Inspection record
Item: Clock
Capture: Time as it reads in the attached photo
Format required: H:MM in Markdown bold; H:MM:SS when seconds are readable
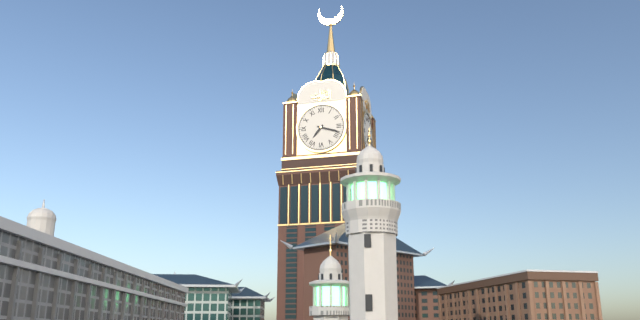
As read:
**7:18**
